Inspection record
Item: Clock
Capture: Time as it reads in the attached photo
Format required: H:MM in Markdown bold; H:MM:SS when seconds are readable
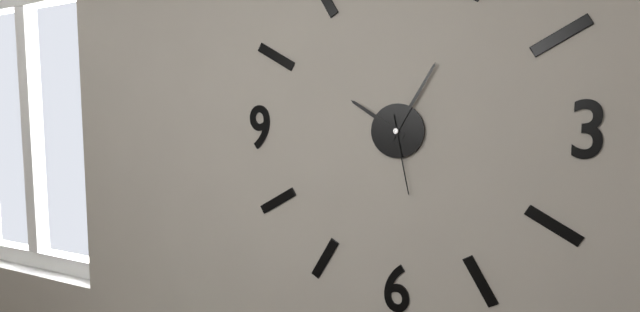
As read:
**10:05:28**
